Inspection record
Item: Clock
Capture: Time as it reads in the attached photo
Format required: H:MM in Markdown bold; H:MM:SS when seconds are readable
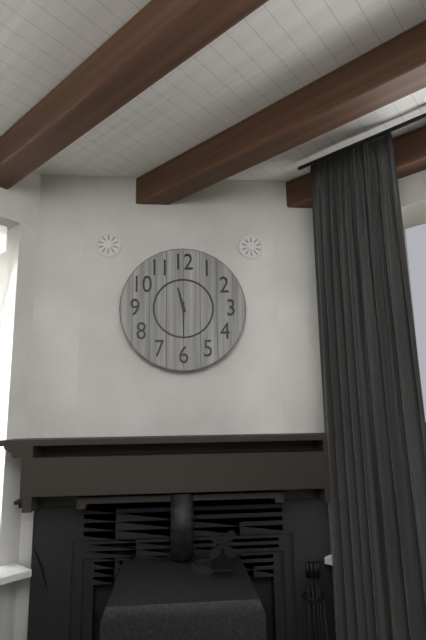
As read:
**11:30**
